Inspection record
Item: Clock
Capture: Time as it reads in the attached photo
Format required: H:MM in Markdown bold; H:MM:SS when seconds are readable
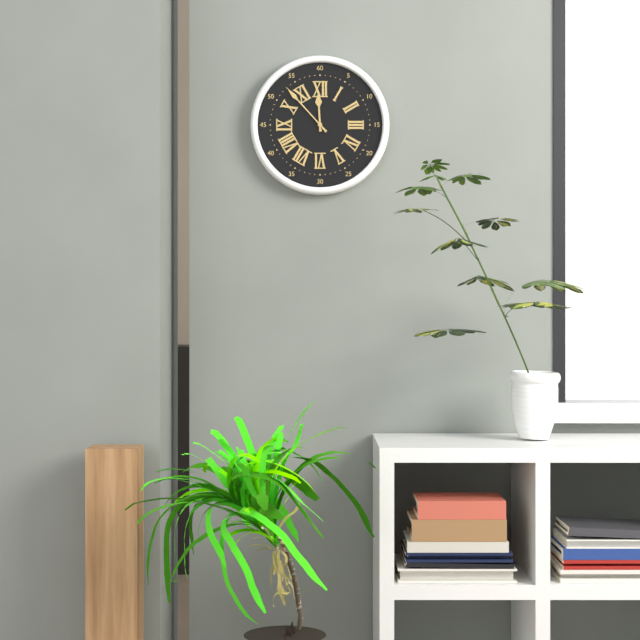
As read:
**11:53**
